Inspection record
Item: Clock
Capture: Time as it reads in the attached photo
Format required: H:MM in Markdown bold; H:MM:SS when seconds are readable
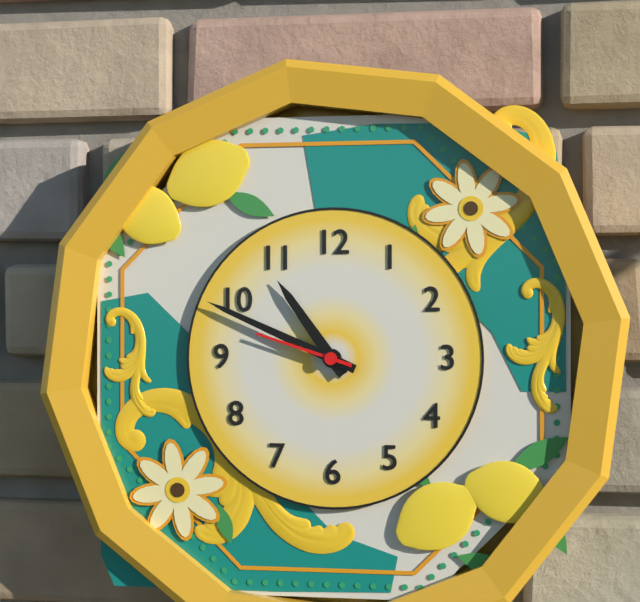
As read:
**10:49:48**
